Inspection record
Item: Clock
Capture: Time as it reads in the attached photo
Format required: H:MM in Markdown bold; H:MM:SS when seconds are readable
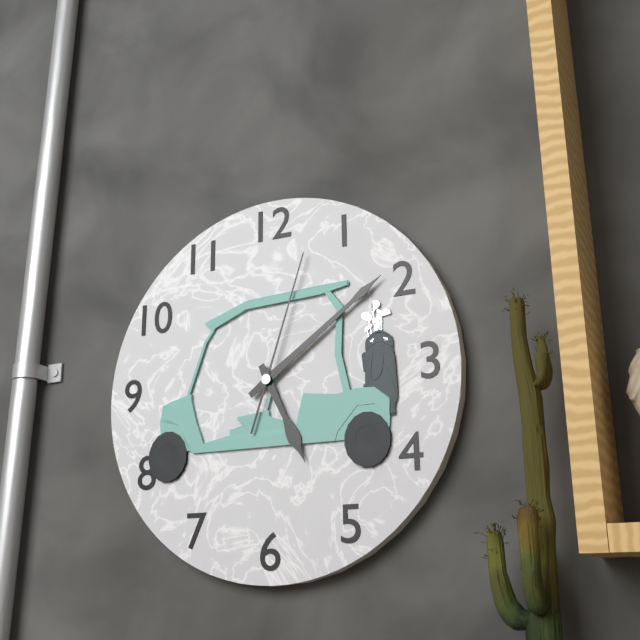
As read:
**5:09:03**
